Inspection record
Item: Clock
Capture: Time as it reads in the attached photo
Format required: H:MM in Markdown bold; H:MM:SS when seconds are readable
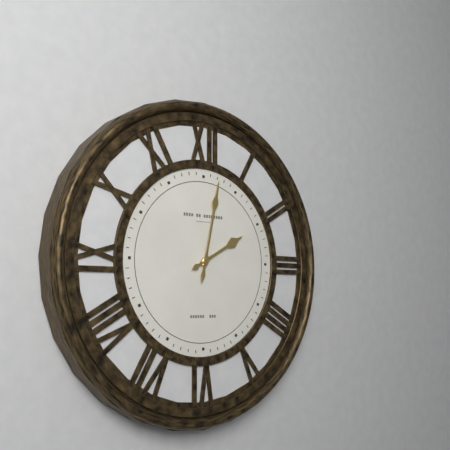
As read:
**2:02**
